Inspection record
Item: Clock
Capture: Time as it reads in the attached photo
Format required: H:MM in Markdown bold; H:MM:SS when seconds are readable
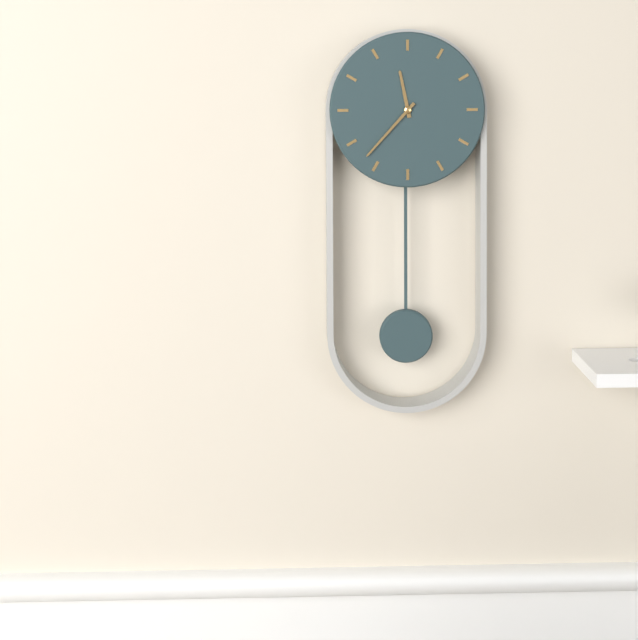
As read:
**11:37**
